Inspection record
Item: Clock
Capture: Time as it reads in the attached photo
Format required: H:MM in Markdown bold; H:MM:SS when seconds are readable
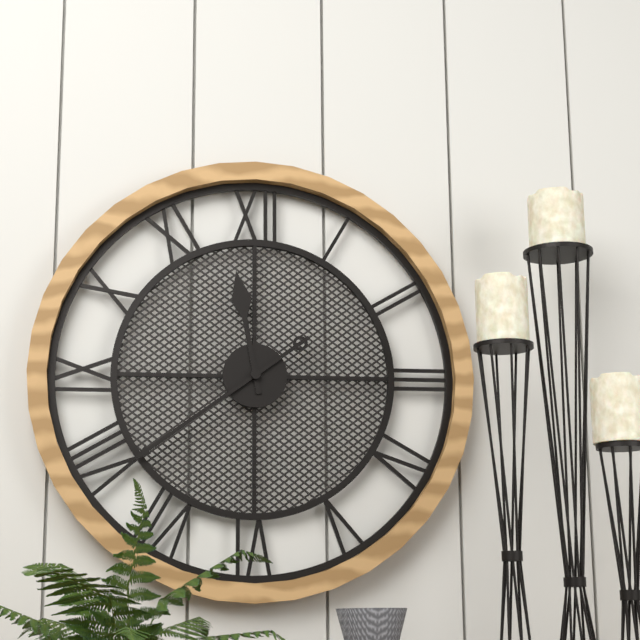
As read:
**11:39**
